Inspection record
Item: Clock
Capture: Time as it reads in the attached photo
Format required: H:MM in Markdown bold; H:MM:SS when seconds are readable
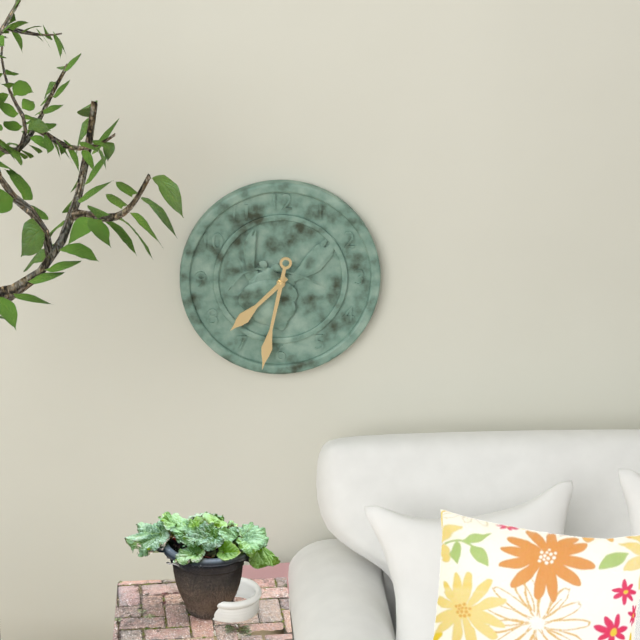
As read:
**7:32**
